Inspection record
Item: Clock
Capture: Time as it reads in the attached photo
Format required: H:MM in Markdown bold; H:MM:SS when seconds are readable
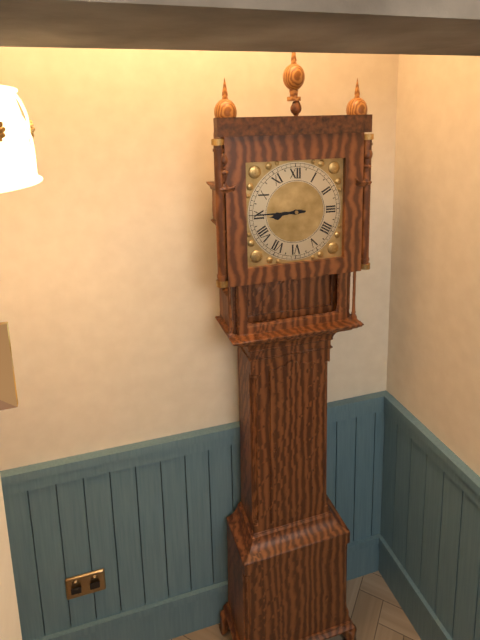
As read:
**8:45**
